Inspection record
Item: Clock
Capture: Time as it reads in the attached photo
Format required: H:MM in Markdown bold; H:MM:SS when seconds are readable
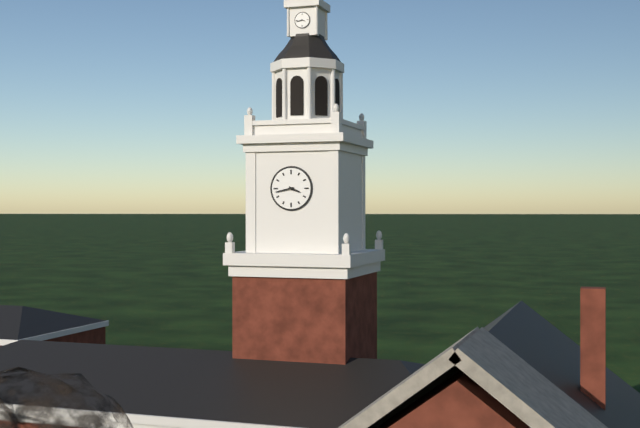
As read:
**3:43**
